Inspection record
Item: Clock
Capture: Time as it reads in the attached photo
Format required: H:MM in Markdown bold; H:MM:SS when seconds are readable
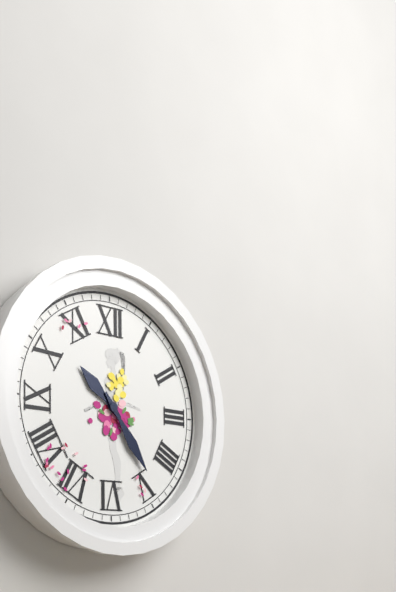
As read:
**10:24**
